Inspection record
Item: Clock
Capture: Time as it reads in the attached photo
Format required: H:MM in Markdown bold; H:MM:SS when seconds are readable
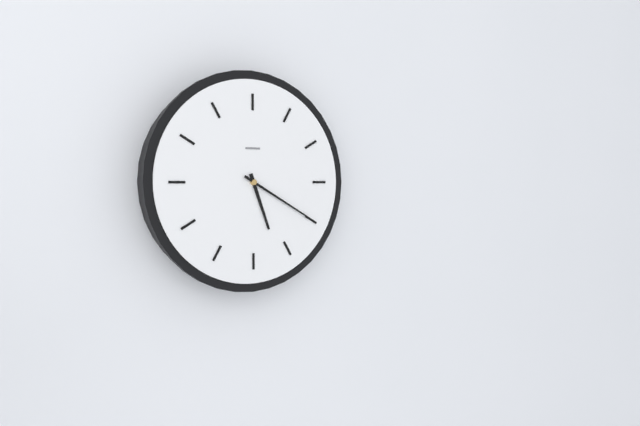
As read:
**5:20**
